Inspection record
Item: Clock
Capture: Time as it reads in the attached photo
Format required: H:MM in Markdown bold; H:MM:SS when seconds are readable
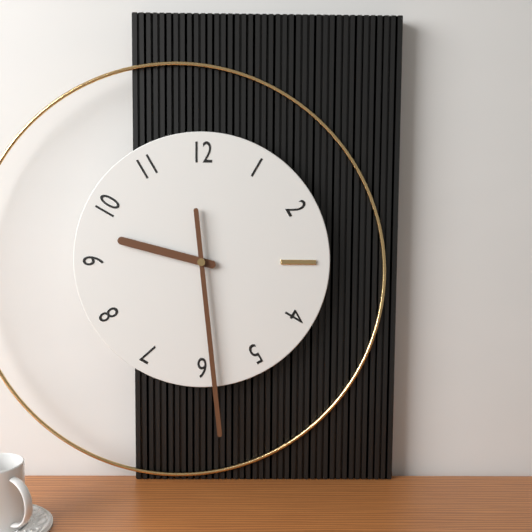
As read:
**9:29**
